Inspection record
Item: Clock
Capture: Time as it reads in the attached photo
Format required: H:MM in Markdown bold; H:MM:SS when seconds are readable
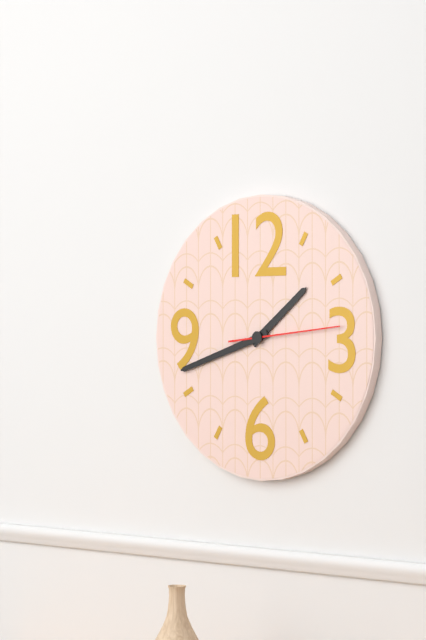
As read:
**1:42:14**
